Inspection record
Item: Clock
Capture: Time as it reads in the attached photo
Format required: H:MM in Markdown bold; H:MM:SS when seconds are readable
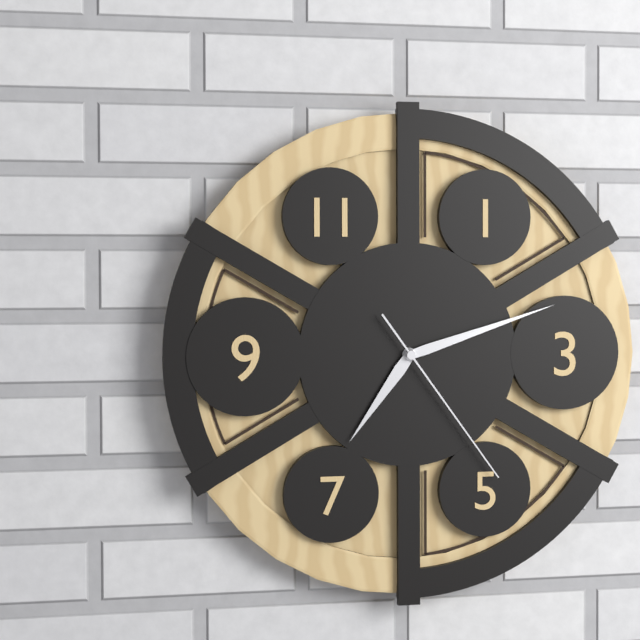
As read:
**7:12:24**
